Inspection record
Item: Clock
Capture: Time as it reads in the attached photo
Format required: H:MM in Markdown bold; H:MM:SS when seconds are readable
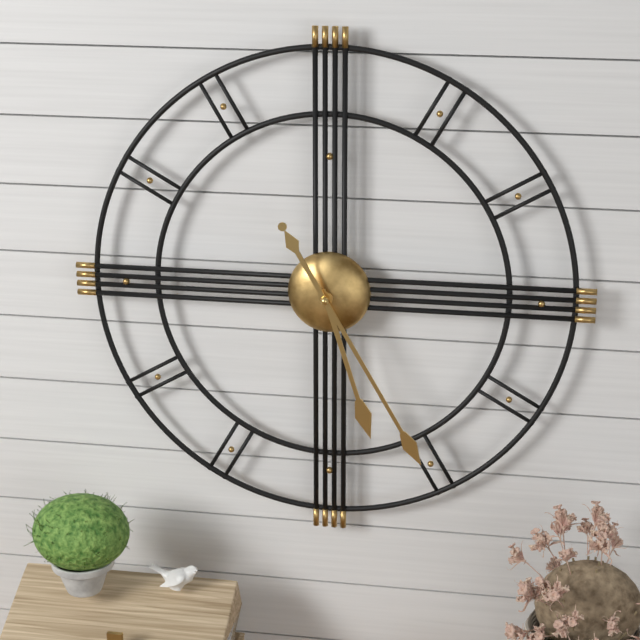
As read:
**5:25**
